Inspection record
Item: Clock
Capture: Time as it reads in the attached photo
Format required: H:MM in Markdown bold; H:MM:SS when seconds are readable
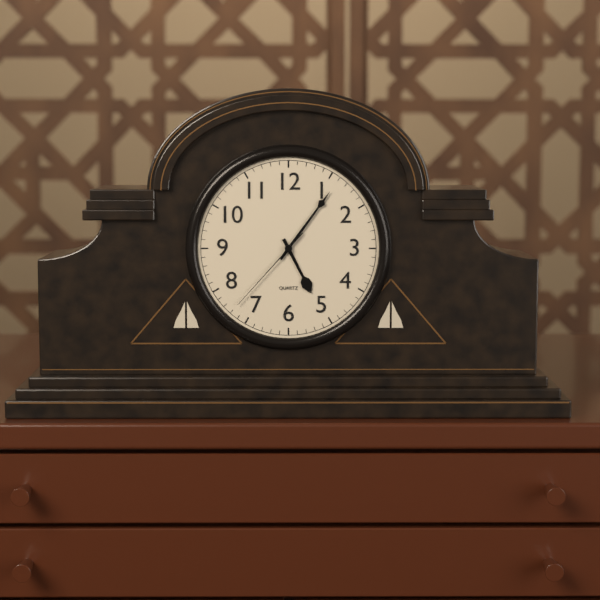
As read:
**5:06:37**
